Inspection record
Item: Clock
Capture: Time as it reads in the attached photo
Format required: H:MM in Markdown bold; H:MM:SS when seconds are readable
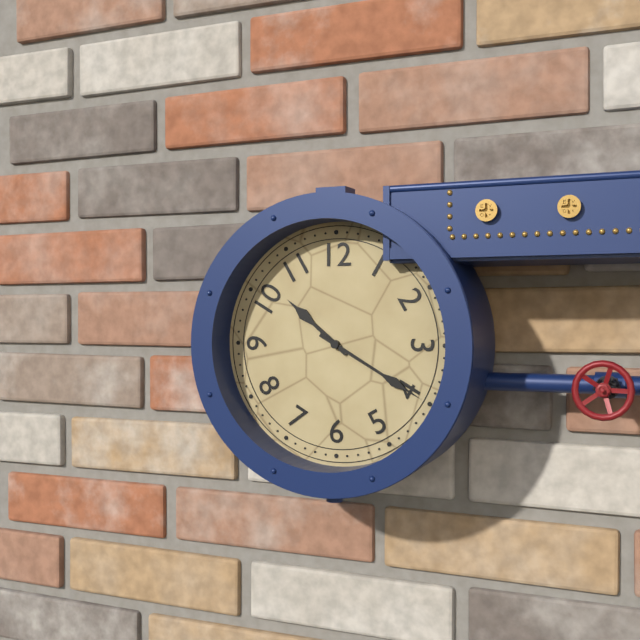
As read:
**10:20**
